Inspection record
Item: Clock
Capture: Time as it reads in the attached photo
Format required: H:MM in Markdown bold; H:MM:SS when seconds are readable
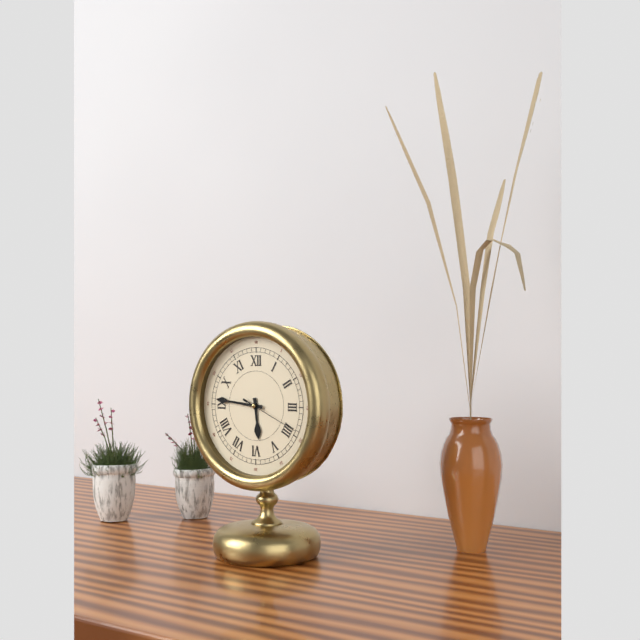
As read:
**5:46:19**
